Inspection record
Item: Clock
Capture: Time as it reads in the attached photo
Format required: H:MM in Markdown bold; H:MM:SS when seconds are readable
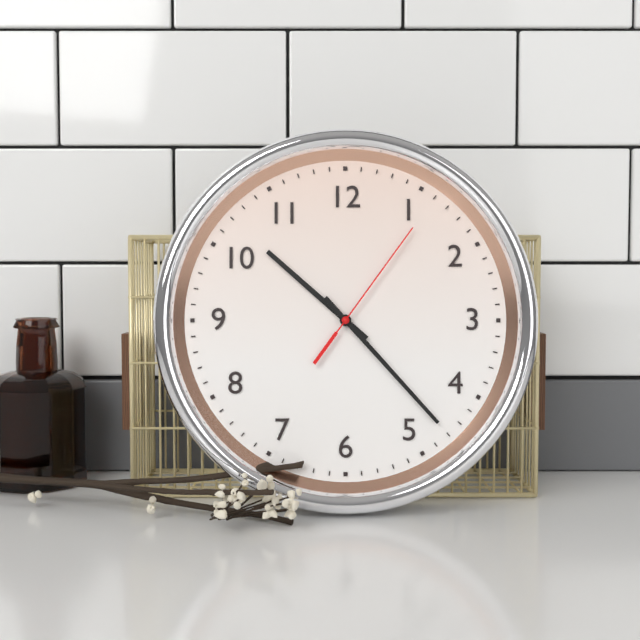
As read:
**10:23:06**
